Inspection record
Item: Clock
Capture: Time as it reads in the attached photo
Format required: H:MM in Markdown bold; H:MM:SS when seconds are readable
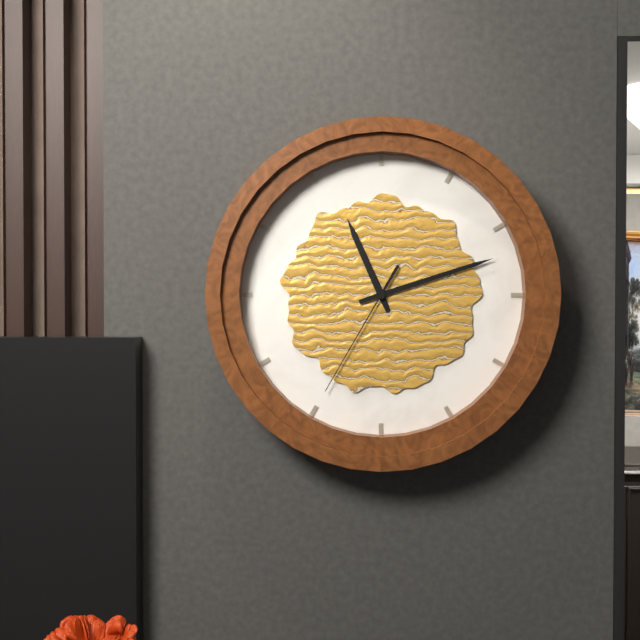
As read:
**11:12:35**
